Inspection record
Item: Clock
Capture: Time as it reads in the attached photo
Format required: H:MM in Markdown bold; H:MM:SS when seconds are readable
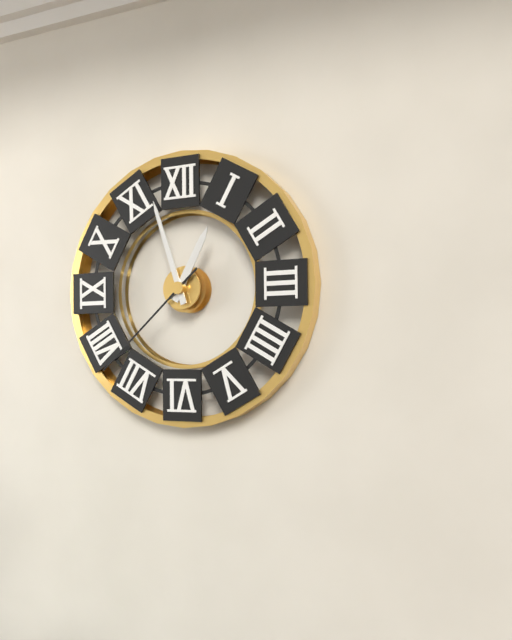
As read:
**12:57:38**
